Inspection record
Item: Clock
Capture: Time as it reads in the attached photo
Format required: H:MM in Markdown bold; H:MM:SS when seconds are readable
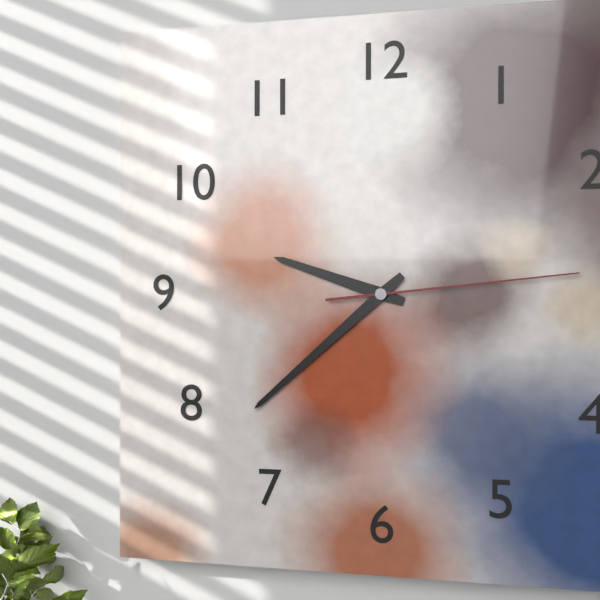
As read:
**9:38:14**
